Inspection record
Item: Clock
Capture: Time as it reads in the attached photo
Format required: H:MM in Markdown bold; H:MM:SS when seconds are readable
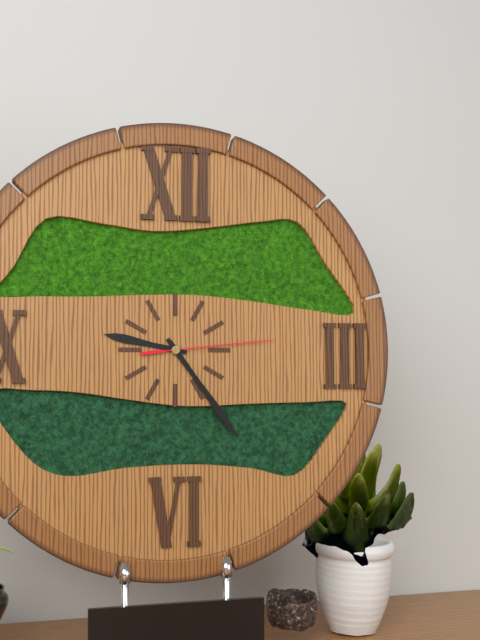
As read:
**9:24:14**
